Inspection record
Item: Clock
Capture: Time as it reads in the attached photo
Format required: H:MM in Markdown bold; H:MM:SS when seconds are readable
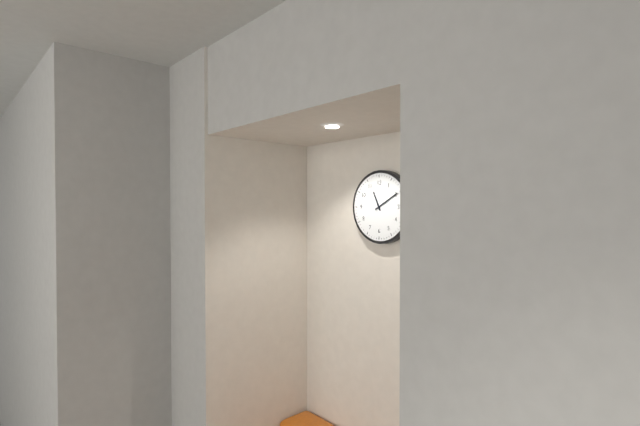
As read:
**11:10**
